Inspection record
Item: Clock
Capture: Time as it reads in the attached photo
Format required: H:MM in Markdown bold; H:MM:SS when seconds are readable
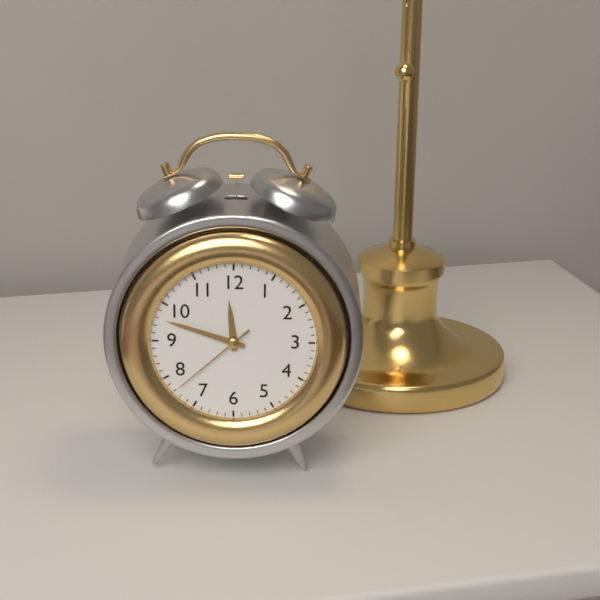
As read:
**11:48:38**
